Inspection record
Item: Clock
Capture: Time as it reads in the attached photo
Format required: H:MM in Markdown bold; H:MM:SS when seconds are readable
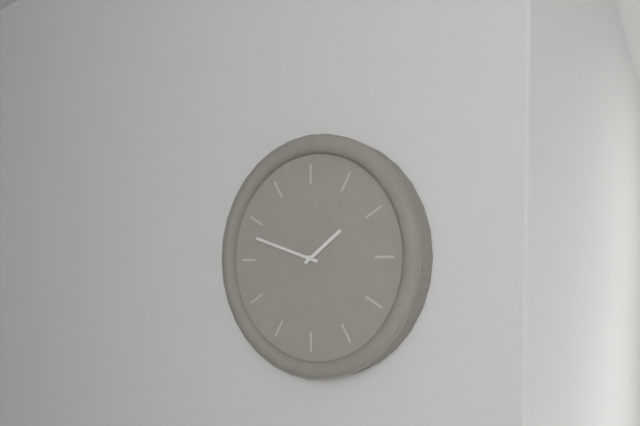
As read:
**1:48**
